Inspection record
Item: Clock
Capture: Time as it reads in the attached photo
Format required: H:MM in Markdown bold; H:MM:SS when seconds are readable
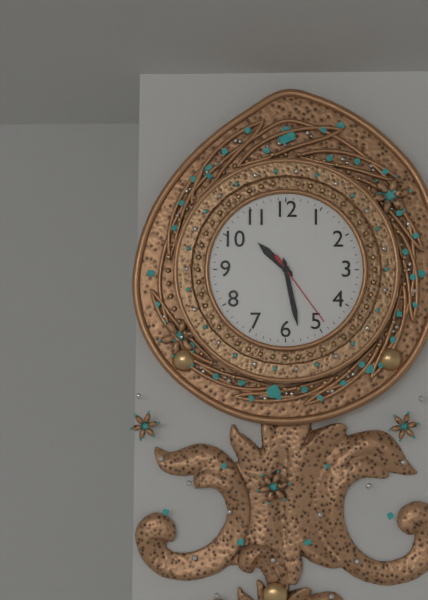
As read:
**10:28:24**
